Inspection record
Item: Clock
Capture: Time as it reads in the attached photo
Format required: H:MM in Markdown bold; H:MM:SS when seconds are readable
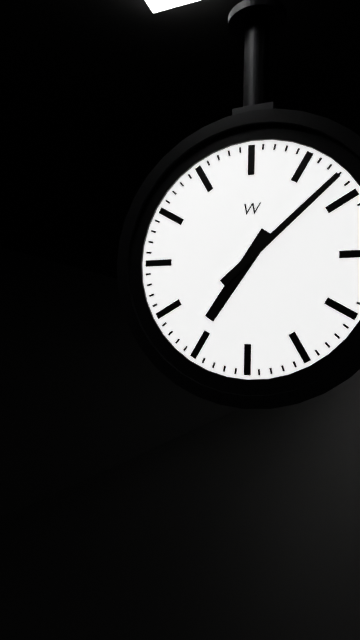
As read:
**7:08**
